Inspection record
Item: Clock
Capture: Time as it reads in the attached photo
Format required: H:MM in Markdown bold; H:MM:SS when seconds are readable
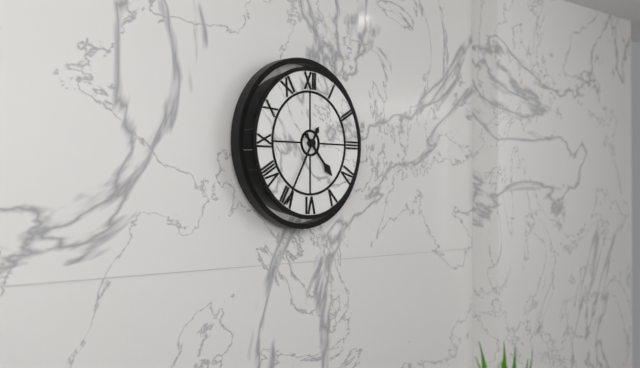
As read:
**4:35**
